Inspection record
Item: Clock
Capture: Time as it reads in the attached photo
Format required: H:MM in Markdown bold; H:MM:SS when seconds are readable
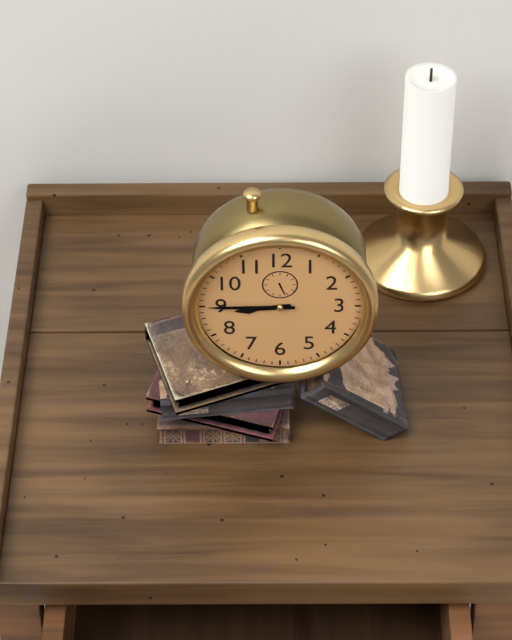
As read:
**8:45**
